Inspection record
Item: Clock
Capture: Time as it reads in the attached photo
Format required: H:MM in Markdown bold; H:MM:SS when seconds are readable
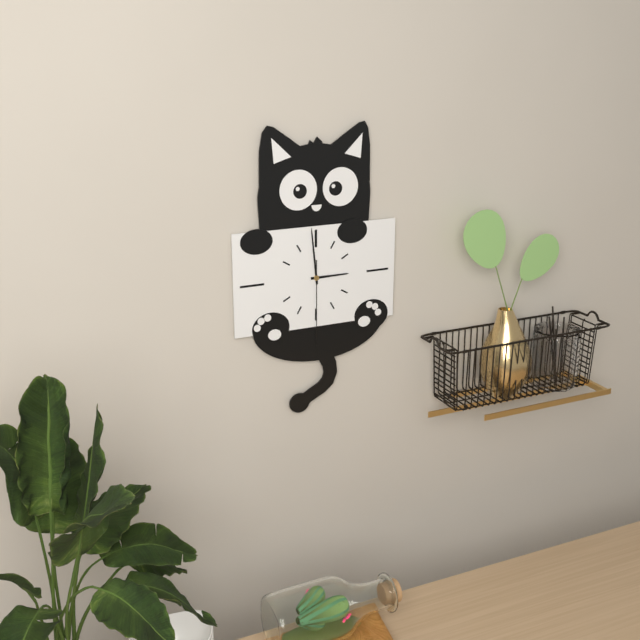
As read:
**2:59:30**
